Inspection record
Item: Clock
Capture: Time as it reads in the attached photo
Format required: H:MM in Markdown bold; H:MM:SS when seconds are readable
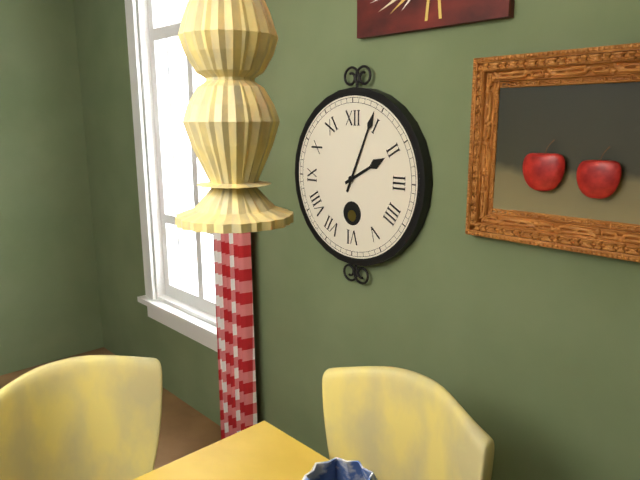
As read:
**2:04**
